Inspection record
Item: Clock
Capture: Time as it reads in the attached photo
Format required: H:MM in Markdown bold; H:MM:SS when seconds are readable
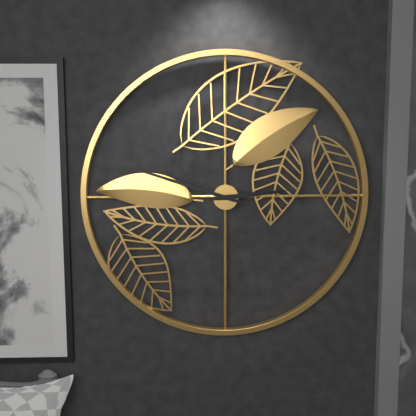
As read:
**2:48**
